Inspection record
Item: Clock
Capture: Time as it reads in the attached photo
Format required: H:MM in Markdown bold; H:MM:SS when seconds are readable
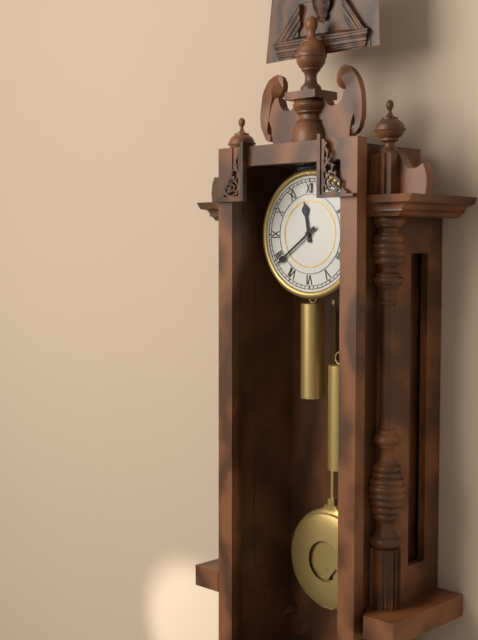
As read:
**11:39**
